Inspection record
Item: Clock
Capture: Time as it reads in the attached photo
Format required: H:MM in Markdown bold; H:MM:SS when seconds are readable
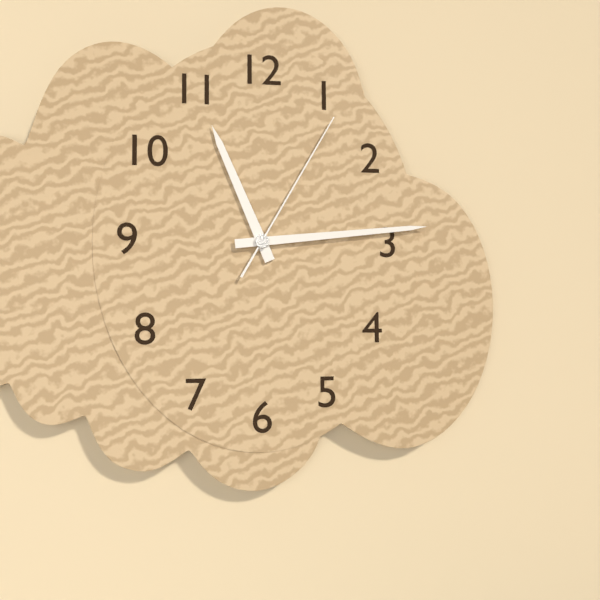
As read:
**11:14:05**
